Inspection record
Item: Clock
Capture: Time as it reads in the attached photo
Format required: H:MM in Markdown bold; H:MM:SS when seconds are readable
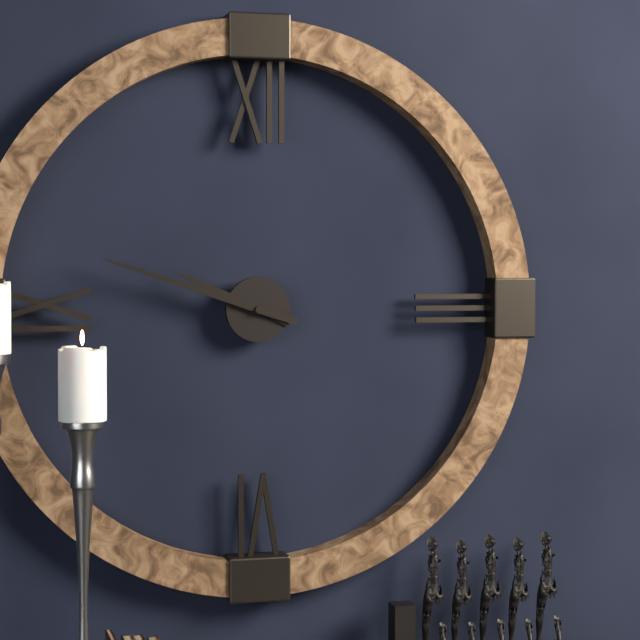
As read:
**9:48**
